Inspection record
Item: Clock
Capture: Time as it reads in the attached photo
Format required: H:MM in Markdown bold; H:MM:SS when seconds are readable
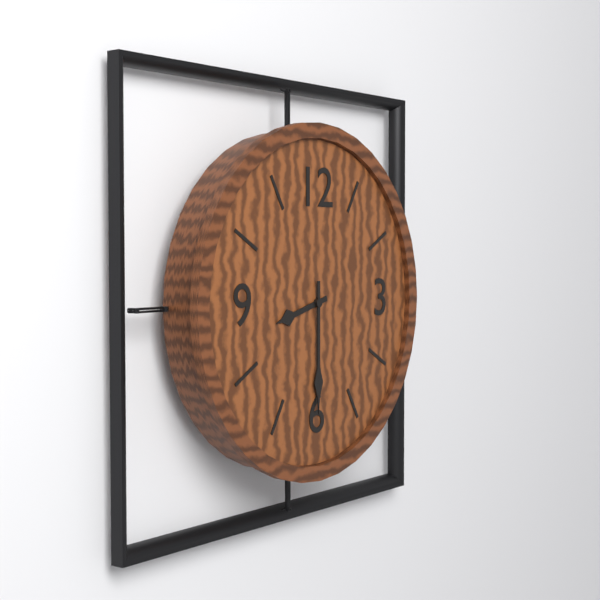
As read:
**8:30**
